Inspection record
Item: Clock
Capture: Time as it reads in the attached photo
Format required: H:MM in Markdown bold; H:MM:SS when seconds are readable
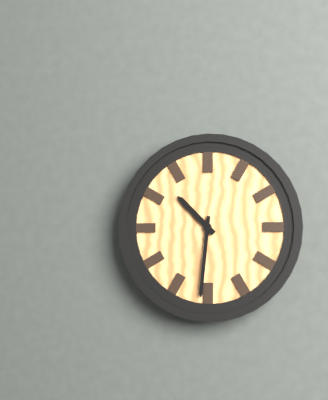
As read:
**10:31**
